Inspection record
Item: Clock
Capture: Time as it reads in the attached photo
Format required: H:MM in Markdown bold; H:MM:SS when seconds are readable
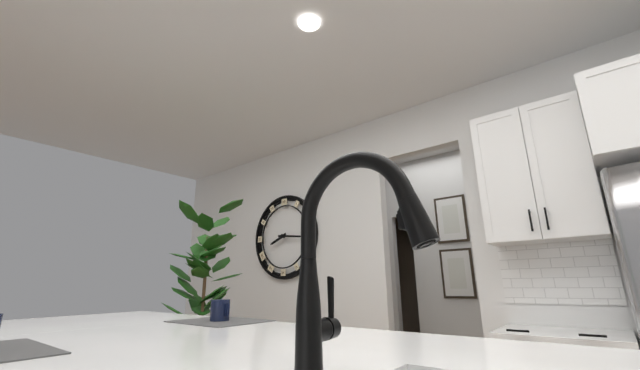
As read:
**8:16**
